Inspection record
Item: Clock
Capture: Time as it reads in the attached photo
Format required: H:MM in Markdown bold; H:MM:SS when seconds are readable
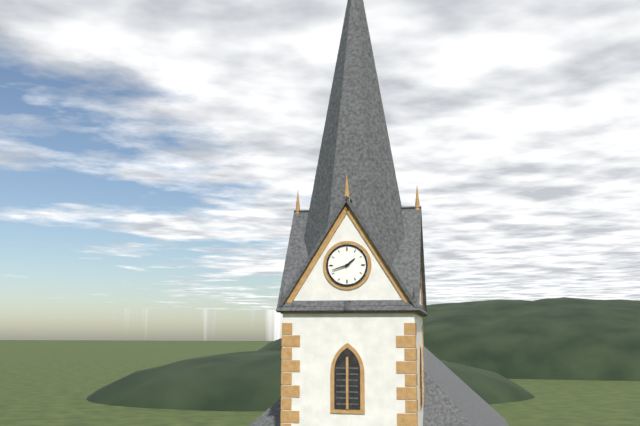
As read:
**1:42**
